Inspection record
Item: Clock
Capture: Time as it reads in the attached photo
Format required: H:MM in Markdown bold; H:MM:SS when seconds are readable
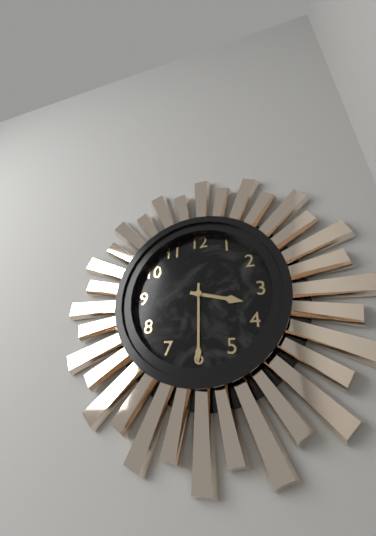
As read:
**3:30**
